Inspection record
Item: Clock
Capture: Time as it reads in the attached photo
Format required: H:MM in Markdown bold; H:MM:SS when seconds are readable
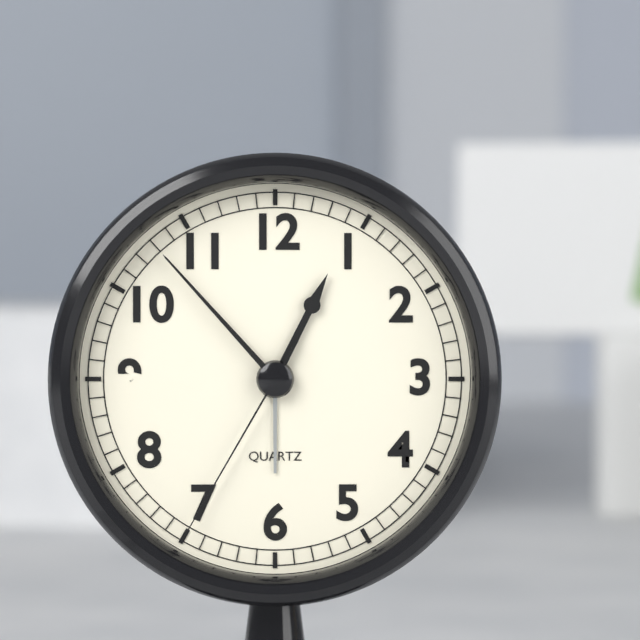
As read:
**12:53:35**
